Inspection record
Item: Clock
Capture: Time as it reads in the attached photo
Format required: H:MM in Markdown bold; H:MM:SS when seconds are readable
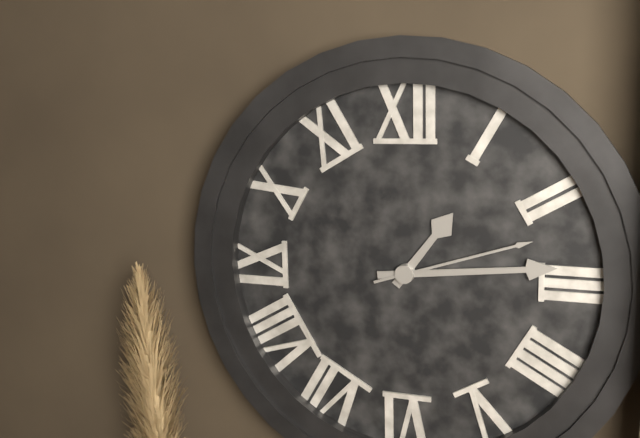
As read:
**1:14:12**
